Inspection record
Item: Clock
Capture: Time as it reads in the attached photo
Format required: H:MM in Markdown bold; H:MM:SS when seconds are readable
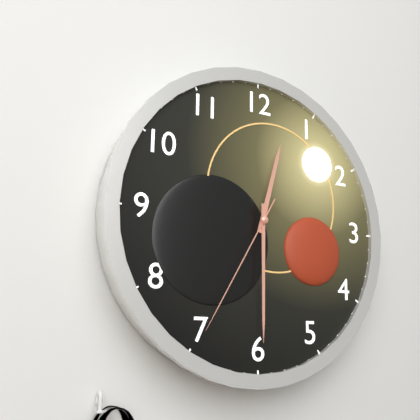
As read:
**12:30:35**
